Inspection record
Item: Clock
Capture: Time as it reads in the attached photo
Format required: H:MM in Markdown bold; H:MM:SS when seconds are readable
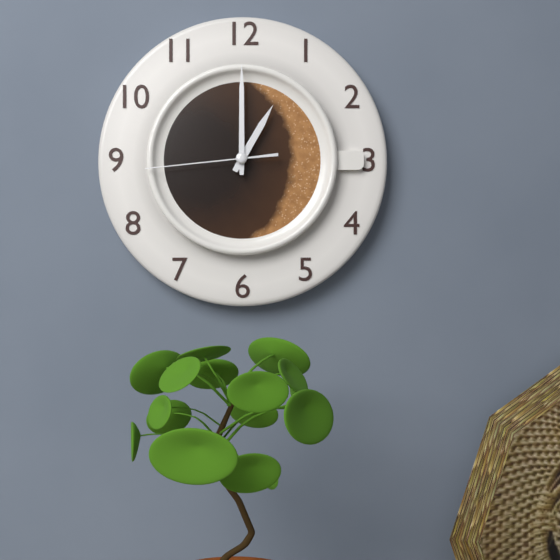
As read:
**1:00:44**
